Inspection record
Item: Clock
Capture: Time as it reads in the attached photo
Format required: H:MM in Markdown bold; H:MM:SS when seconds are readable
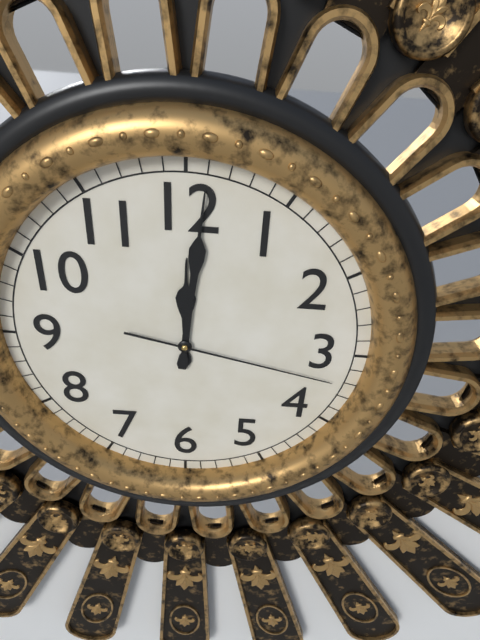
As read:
**12:01:17**
